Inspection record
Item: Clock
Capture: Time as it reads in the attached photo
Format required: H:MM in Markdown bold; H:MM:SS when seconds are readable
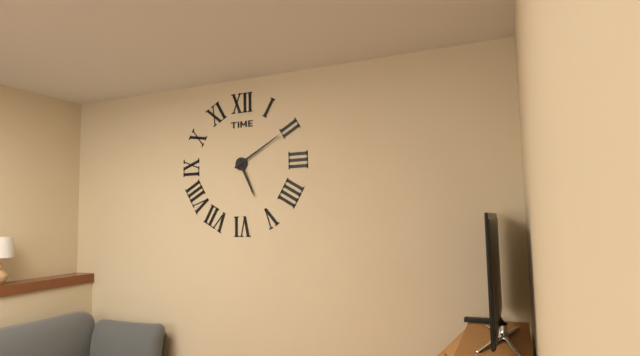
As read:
**5:10**
